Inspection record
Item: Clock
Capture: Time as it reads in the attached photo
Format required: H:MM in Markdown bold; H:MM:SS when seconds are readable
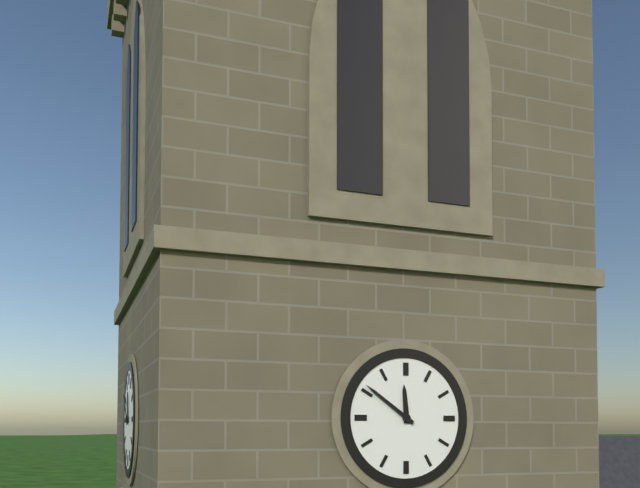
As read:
**11:51**
